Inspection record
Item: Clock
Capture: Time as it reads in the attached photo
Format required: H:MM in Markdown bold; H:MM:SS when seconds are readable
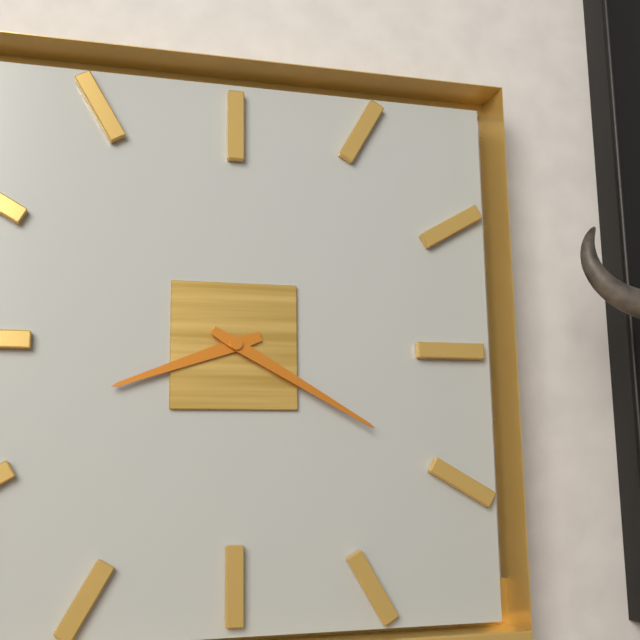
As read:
**8:20**
